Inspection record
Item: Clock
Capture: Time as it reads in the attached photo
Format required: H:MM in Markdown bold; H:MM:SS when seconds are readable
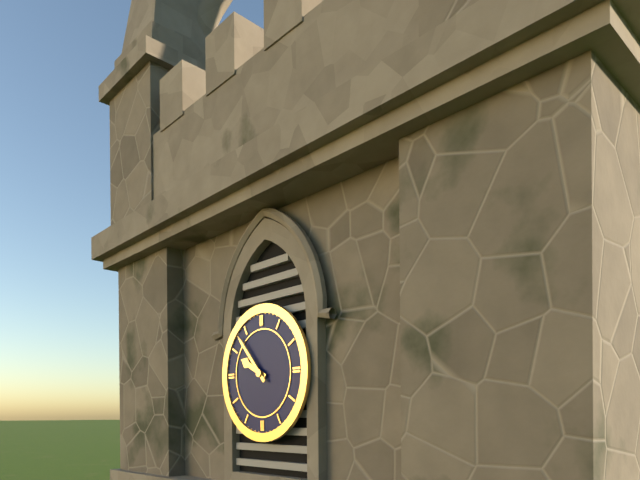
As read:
**9:53**
